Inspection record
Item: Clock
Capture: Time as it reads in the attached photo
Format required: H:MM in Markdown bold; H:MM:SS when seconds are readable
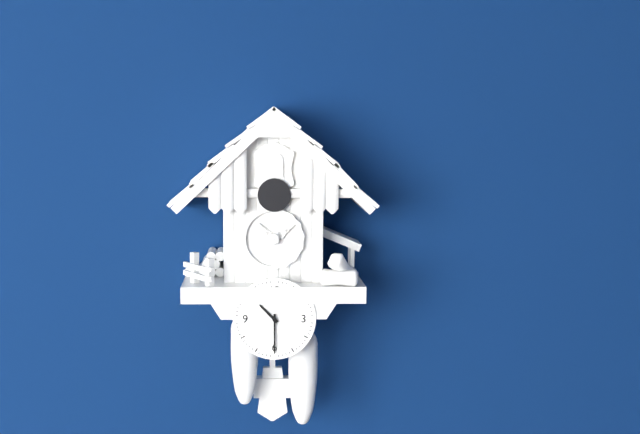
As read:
**10:30**
